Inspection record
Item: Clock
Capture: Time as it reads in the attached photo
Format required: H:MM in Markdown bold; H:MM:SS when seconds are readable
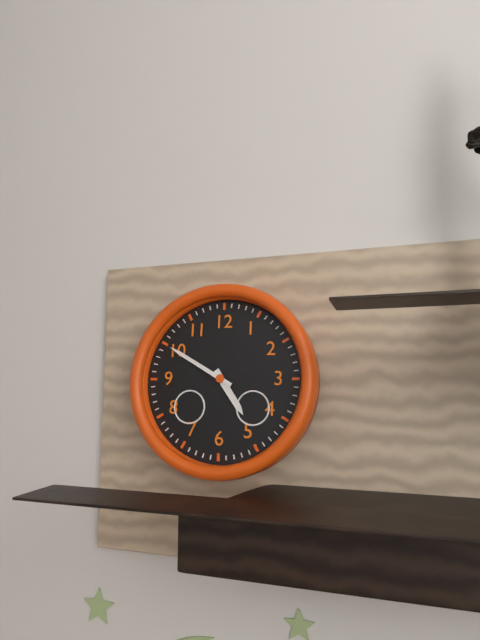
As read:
**4:50**
